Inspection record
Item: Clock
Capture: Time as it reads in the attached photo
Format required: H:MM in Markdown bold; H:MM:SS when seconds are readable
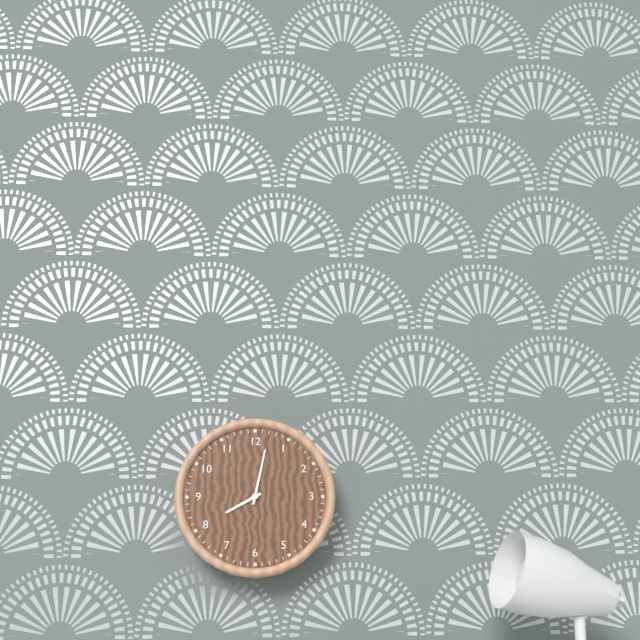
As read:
**8:02**
